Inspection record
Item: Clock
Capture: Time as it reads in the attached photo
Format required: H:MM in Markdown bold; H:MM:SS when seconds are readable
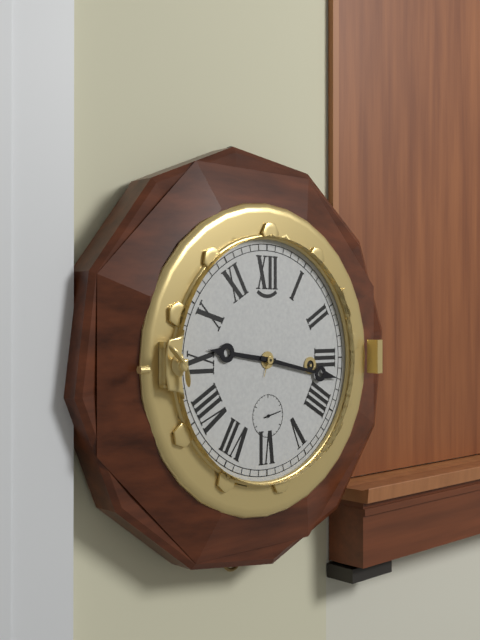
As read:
**9:17:13**
